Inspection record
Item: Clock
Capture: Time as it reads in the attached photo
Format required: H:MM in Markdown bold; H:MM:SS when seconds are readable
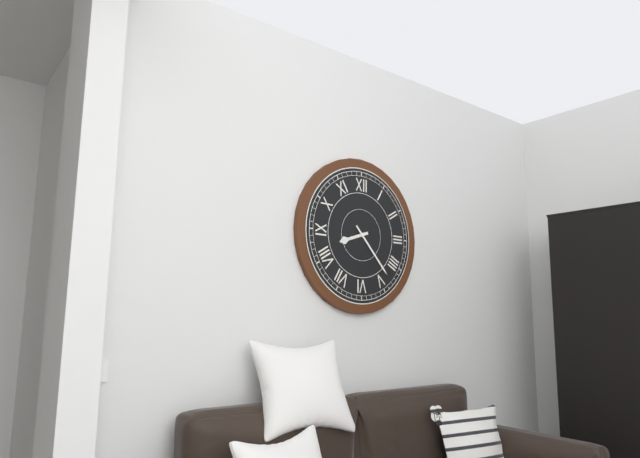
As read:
**8:23**
